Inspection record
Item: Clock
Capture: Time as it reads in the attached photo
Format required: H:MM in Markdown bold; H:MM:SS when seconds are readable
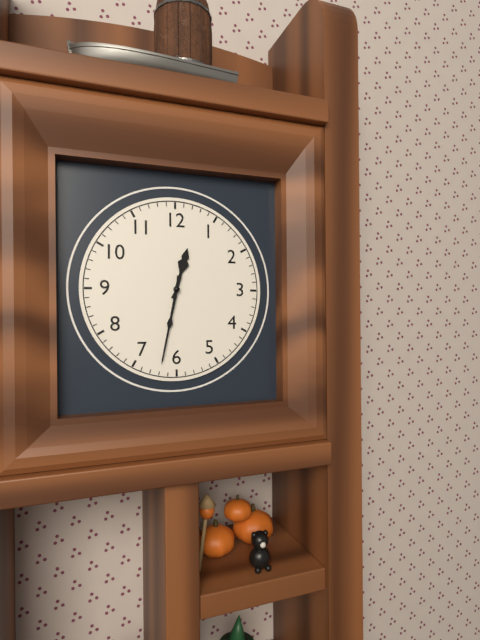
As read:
**12:32**
